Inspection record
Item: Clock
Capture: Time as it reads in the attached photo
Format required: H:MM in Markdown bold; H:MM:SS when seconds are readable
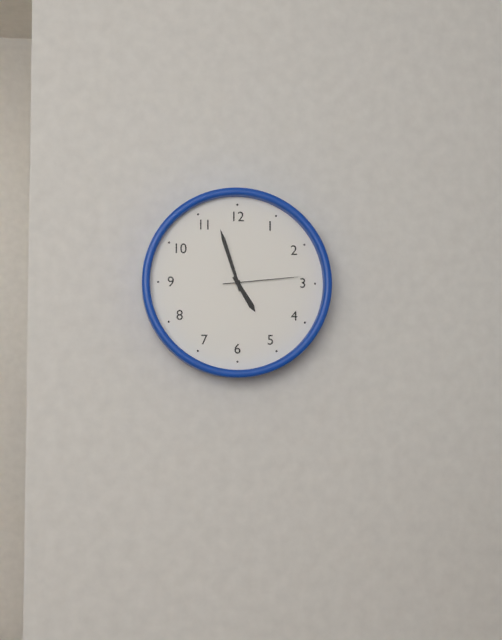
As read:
**4:57:14**
